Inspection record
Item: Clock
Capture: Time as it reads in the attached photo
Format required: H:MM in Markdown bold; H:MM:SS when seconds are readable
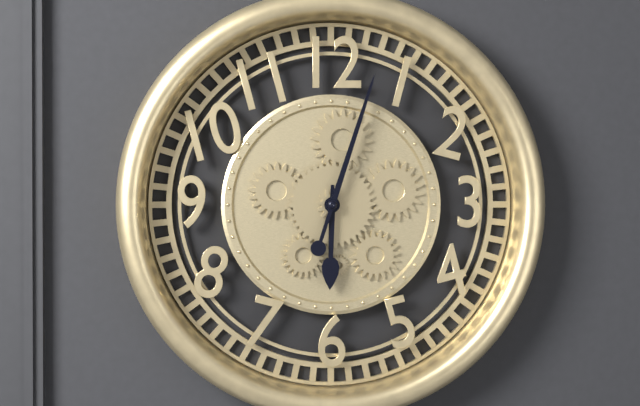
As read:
**6:03**
